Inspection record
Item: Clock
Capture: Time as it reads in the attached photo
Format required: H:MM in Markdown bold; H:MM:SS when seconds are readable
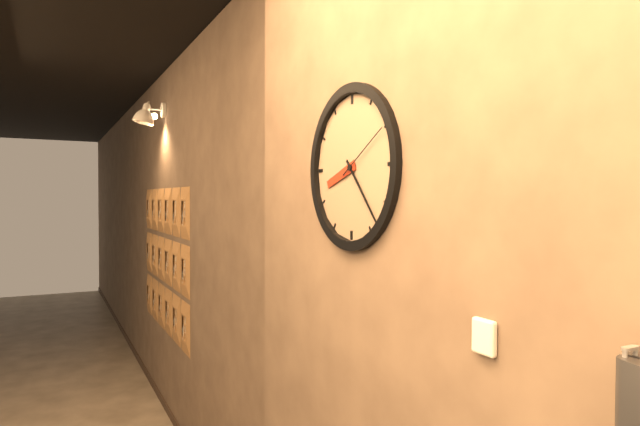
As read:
**8:23:10**
